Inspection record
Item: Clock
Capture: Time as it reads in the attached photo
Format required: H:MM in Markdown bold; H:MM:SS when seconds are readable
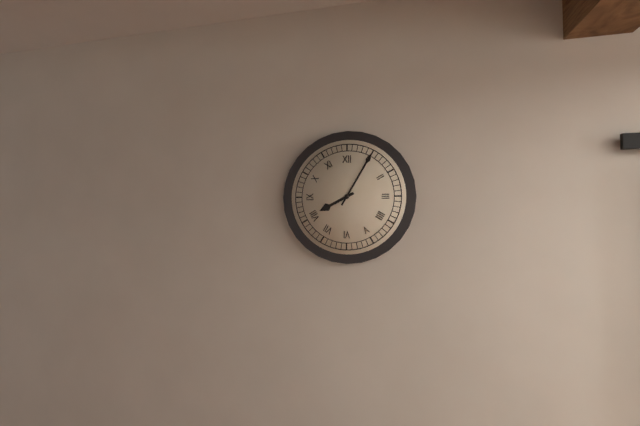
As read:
**8:05**
